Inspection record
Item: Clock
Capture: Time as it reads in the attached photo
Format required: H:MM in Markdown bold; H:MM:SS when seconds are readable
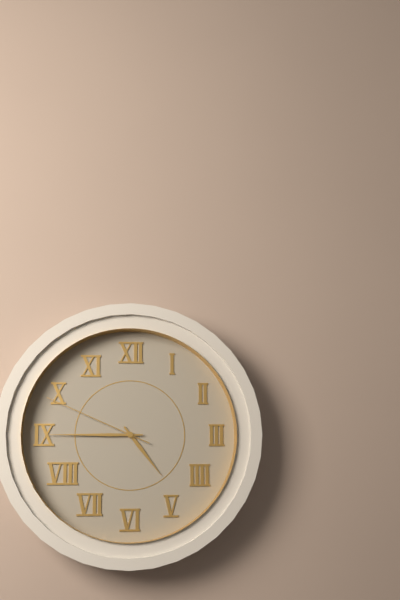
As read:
**4:45:49**
